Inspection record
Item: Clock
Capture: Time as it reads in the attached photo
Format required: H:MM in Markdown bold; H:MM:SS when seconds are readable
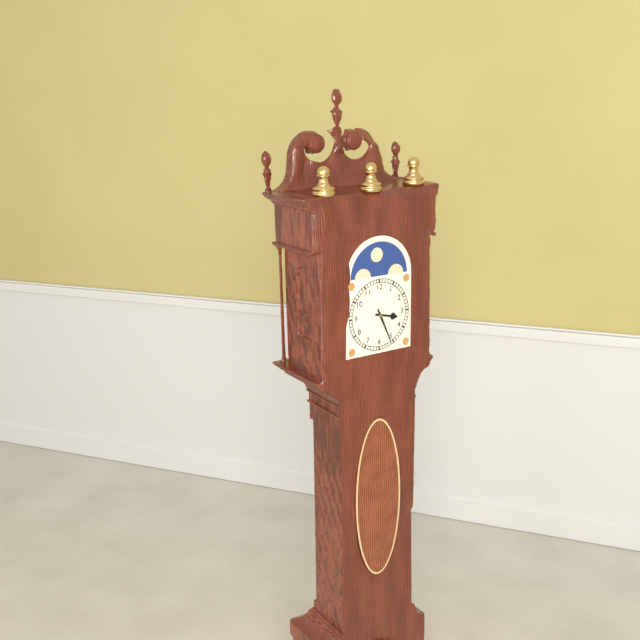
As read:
**3:26**
